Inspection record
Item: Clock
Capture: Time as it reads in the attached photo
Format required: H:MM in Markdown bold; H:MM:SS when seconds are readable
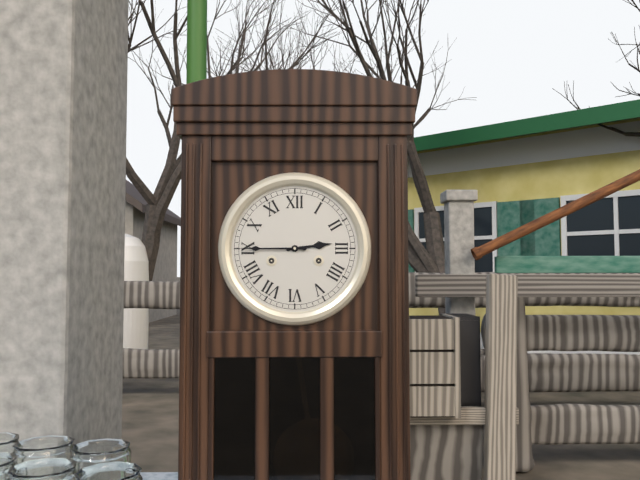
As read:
**2:45**
